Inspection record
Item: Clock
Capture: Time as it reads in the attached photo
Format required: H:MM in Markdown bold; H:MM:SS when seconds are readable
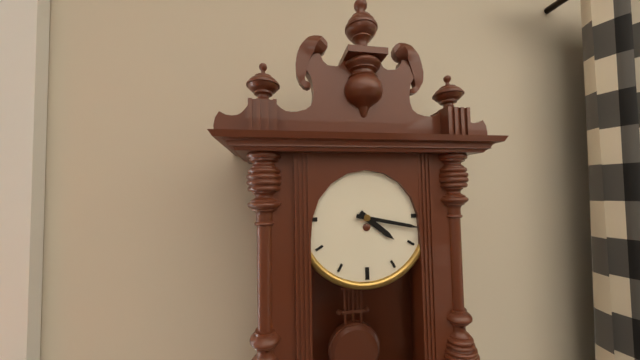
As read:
**4:17**
